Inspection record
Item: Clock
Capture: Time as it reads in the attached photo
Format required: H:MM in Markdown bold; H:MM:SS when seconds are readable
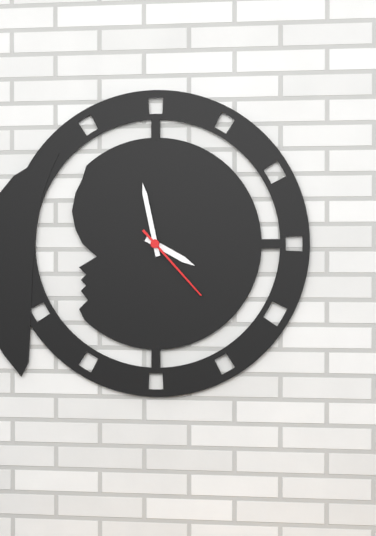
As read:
**3:58:23**
